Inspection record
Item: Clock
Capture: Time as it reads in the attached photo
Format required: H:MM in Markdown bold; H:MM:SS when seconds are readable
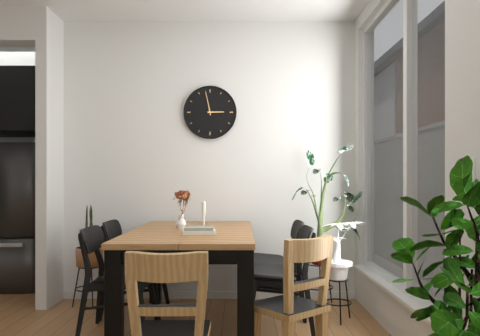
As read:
**2:58**
